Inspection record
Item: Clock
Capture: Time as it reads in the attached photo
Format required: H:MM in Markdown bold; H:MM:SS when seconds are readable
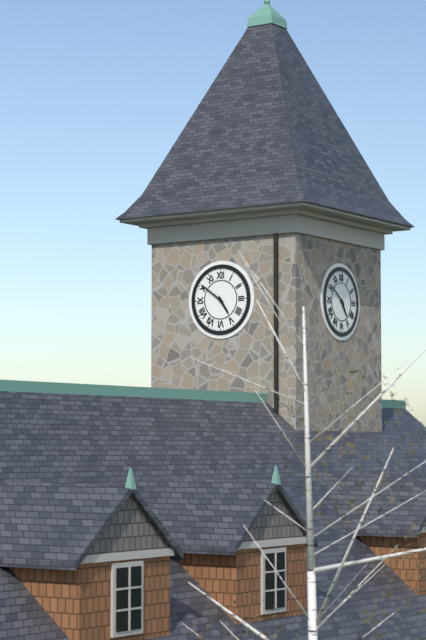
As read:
**4:51**
